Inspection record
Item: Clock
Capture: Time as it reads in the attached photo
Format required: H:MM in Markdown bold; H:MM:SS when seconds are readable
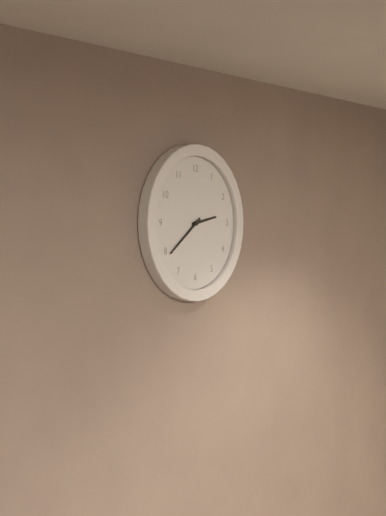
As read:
**2:39**
